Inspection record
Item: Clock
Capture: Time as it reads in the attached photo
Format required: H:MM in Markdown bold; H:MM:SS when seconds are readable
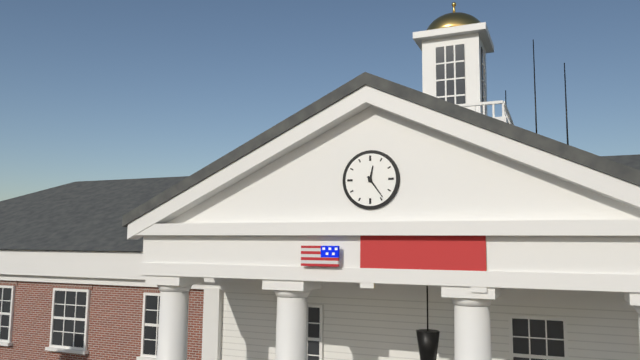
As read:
**12:24**
